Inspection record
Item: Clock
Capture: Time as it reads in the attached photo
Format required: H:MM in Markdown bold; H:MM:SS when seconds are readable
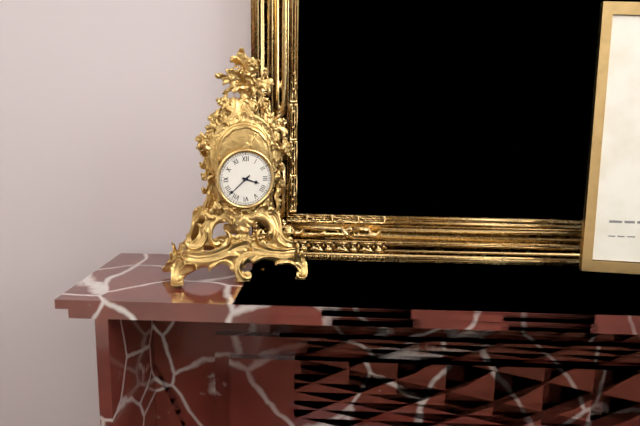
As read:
**3:38**
